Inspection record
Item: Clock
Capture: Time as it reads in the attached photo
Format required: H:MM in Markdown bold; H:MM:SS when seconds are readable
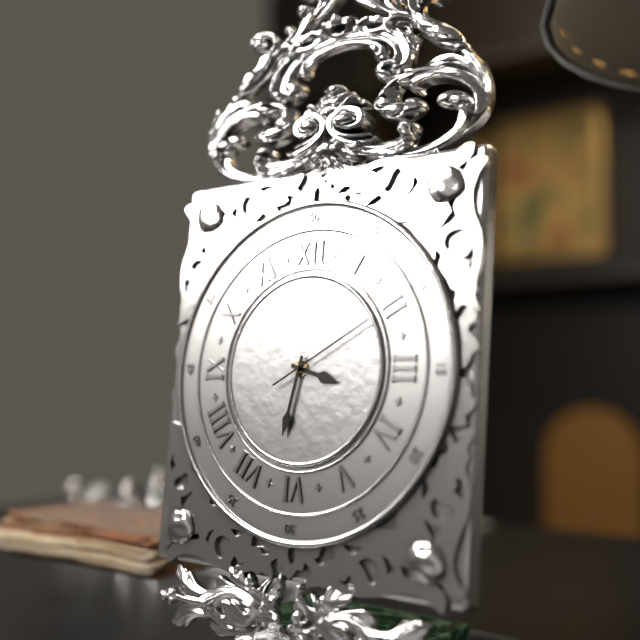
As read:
**3:32:10**
